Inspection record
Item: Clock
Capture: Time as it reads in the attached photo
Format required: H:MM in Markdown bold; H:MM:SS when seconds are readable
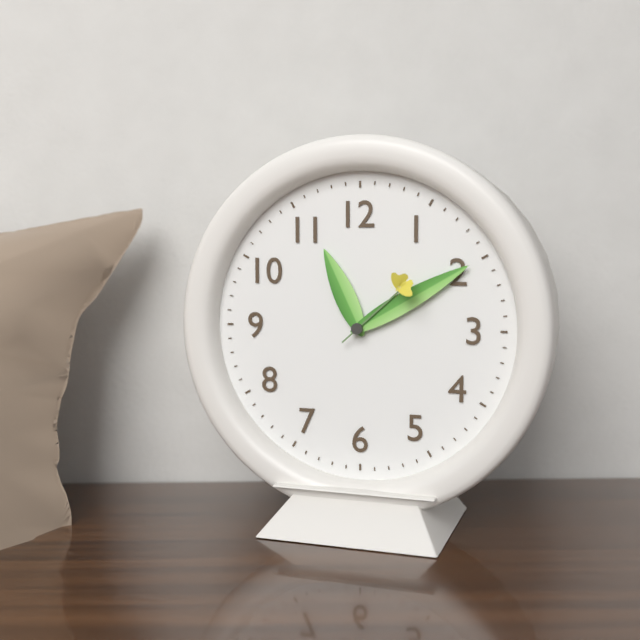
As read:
**11:10:08**
